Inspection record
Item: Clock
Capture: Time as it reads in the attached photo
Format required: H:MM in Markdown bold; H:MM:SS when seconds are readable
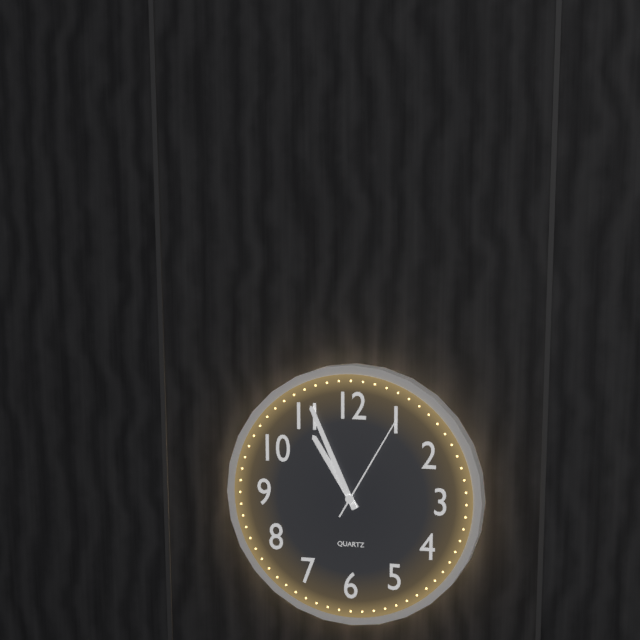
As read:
**10:56:05**
